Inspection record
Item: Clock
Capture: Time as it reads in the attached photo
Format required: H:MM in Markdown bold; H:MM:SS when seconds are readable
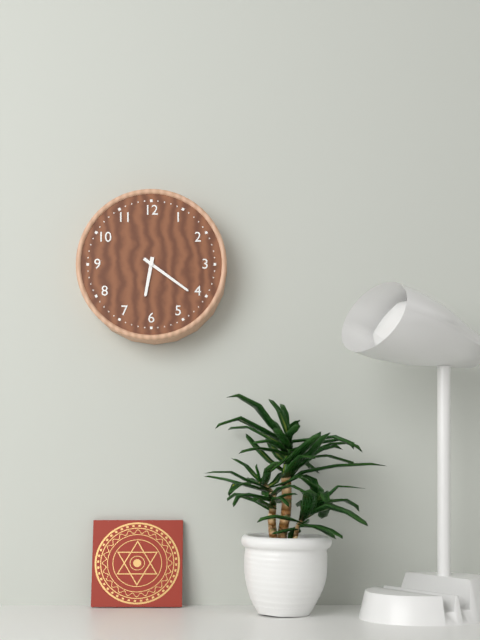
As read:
**6:21**
